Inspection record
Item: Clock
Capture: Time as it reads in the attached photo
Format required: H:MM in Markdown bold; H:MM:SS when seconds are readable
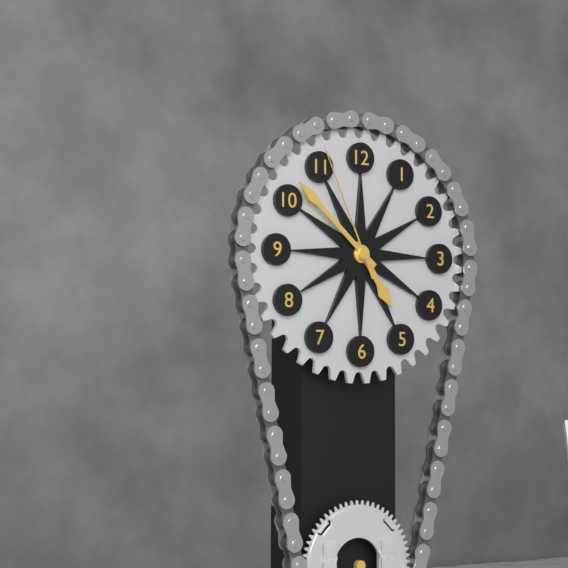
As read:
**4:52:56**
